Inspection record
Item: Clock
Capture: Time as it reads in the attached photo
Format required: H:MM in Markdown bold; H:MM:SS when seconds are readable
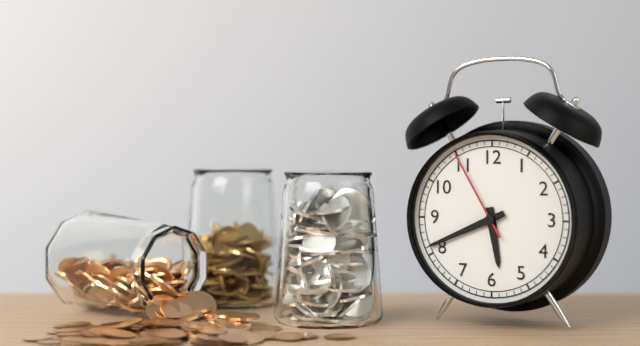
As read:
**5:41:55**
